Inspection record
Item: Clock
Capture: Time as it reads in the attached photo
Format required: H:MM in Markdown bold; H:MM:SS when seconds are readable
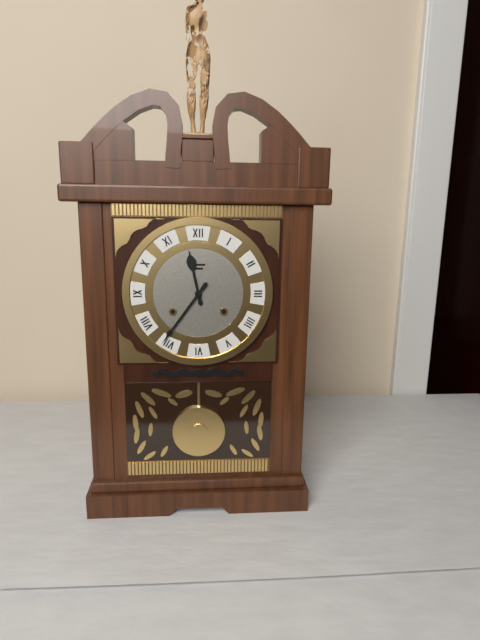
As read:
**11:36**
